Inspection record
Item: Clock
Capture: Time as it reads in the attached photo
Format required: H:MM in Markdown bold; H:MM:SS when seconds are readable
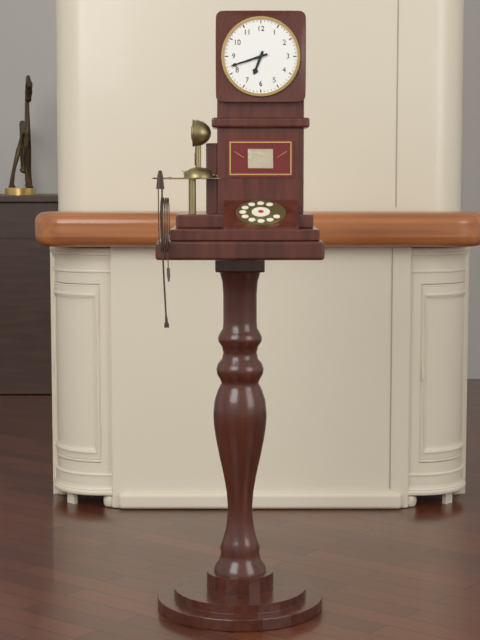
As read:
**6:42**
